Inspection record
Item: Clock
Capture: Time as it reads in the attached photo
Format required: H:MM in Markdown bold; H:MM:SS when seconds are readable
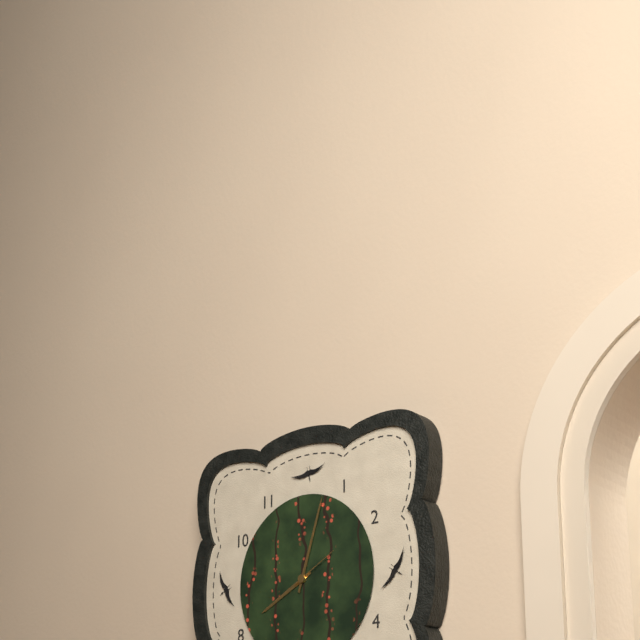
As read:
**8:03:10**
